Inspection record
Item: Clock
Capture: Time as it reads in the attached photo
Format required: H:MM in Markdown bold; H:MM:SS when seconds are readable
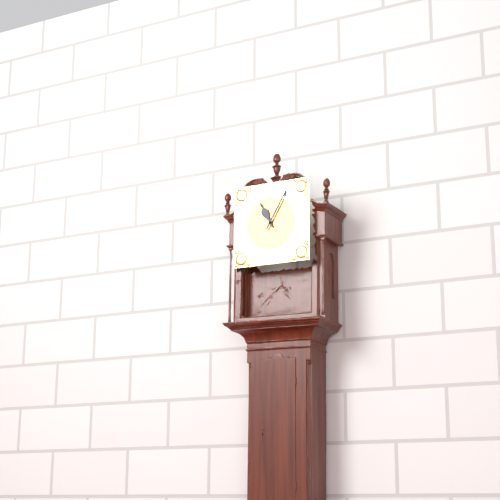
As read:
**11:05**
